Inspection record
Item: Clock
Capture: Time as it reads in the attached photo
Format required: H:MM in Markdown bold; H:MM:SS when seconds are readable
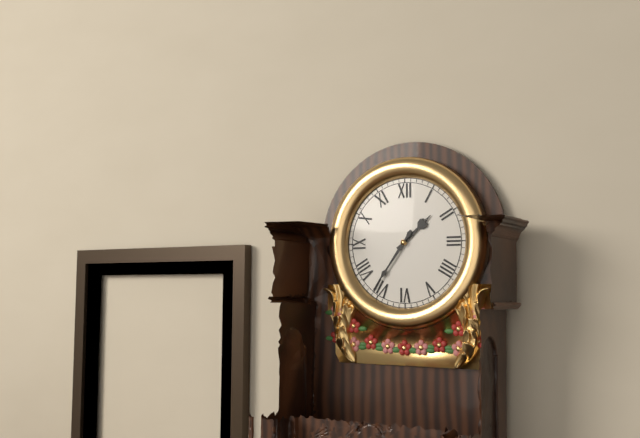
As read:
**1:36**
